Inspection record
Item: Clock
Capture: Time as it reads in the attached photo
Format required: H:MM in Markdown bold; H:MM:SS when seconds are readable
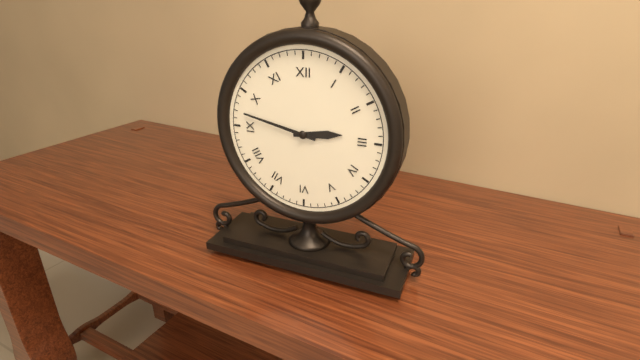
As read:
**2:47**
